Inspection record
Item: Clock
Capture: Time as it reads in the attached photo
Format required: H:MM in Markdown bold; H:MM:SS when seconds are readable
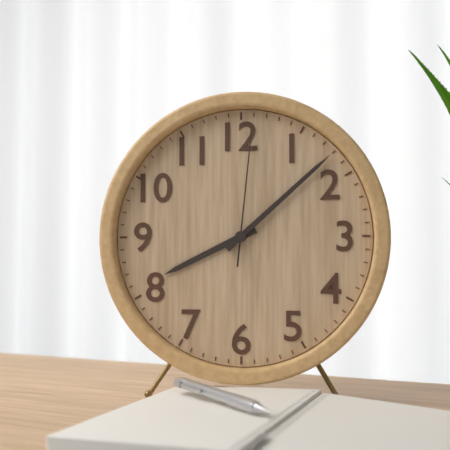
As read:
**8:08:01**
